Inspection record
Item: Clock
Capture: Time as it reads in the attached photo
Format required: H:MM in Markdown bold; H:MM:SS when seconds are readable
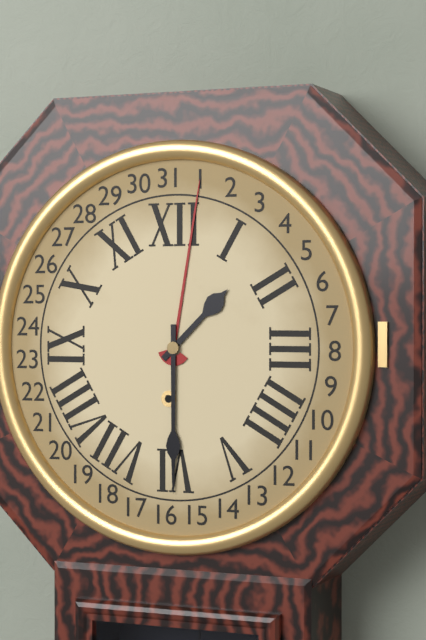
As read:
**1:30**
